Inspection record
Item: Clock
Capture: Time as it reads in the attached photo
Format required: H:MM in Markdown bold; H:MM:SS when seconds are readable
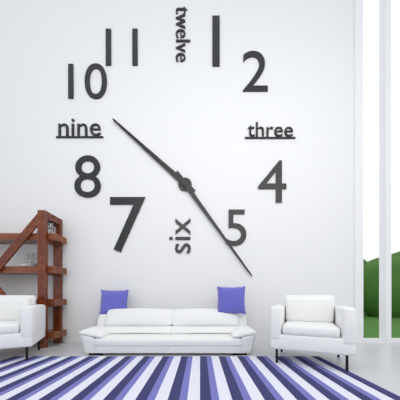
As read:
**10:24**
